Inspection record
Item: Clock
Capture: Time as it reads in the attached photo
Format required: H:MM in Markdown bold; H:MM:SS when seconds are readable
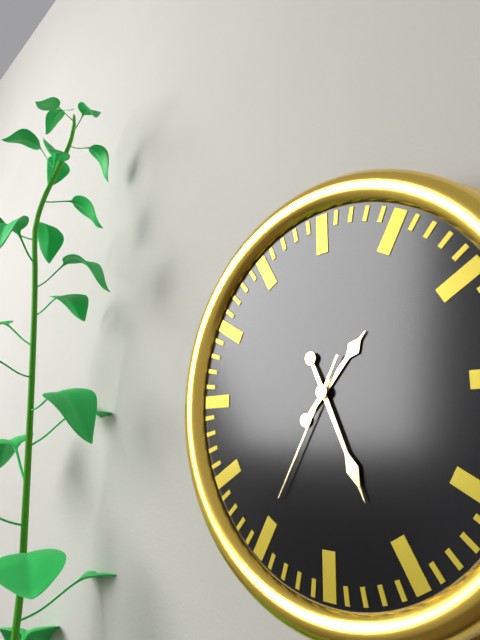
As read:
**1:26:35**
